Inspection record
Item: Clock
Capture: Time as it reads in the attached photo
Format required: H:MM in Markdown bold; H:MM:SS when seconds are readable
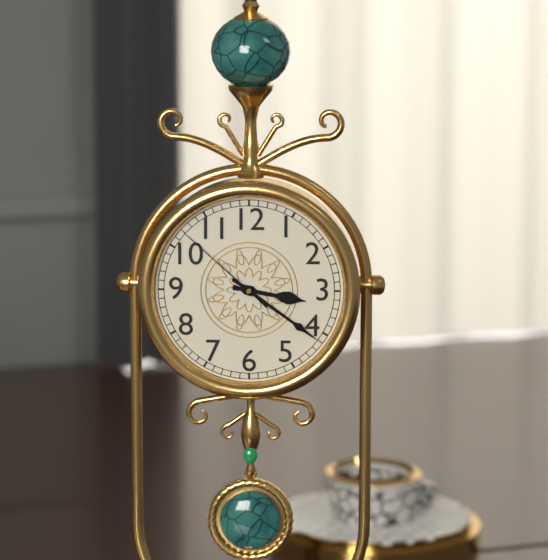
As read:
**3:21:52**
